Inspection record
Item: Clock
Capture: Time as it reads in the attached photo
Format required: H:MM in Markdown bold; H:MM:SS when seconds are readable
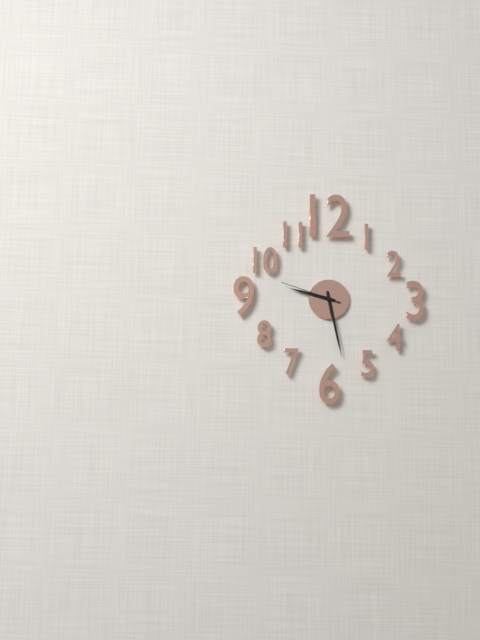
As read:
**9:28:48**
